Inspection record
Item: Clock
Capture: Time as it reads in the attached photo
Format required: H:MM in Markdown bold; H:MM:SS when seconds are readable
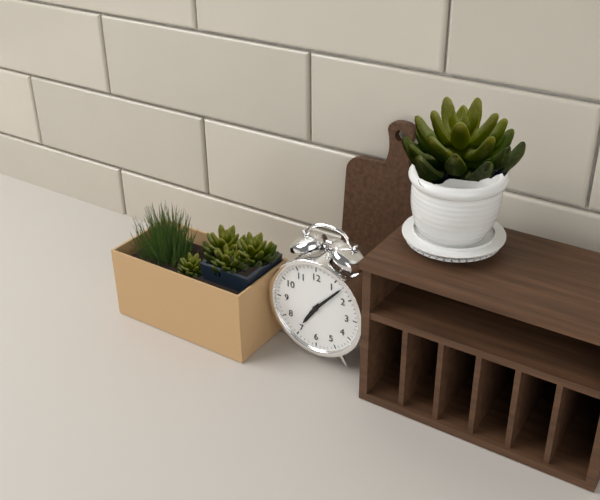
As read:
**7:07**
